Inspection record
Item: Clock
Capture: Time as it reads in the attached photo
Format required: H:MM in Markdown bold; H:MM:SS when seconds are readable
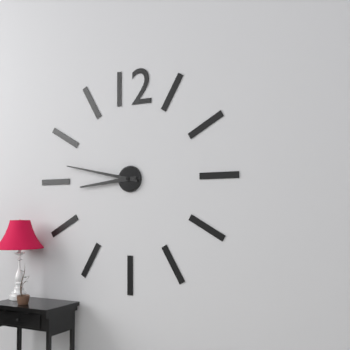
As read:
**8:47**
